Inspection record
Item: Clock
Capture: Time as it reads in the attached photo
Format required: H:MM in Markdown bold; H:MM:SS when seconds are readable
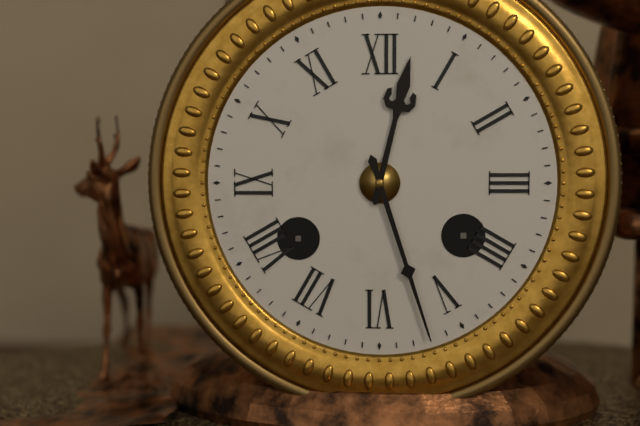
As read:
**12:27**
